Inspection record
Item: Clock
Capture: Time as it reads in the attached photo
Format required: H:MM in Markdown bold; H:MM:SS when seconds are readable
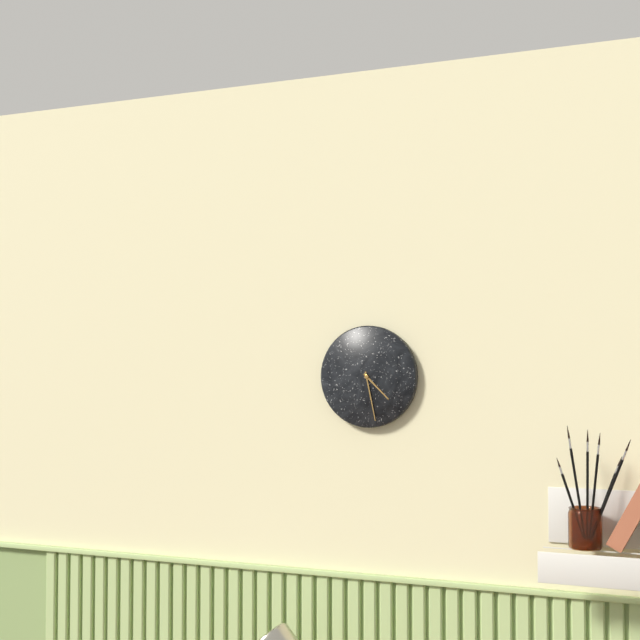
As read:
**4:28**
